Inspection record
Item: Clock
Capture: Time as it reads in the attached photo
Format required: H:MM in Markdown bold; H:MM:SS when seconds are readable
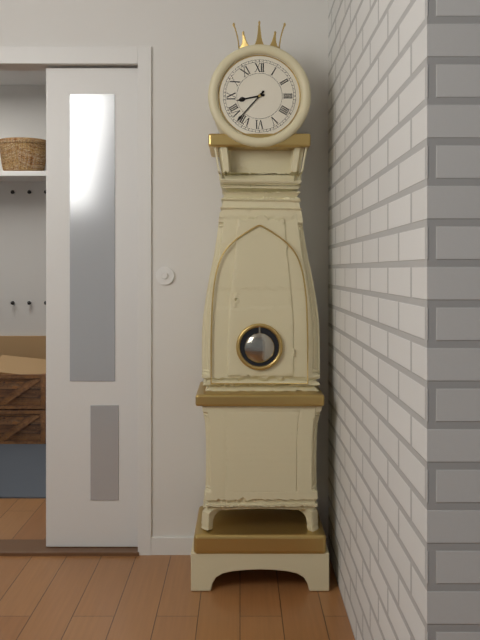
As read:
**8:37**
